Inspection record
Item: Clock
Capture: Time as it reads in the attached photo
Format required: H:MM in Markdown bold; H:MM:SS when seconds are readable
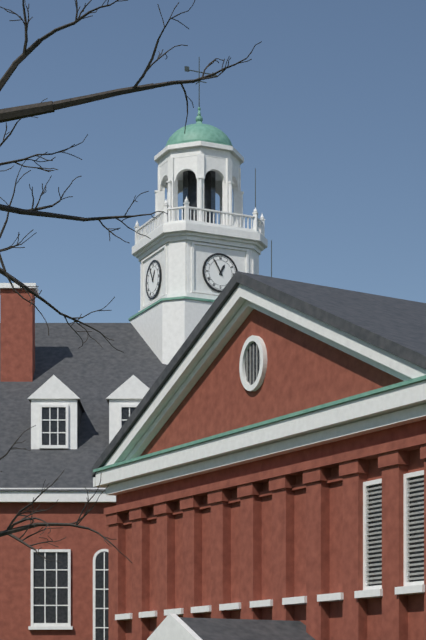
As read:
**12:55**
